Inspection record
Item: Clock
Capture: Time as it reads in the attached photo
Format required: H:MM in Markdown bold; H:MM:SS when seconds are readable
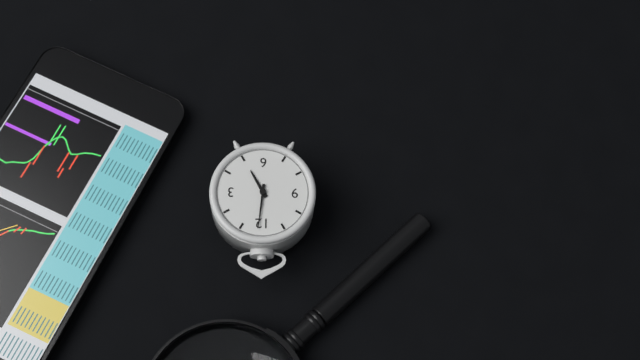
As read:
**5:01**
